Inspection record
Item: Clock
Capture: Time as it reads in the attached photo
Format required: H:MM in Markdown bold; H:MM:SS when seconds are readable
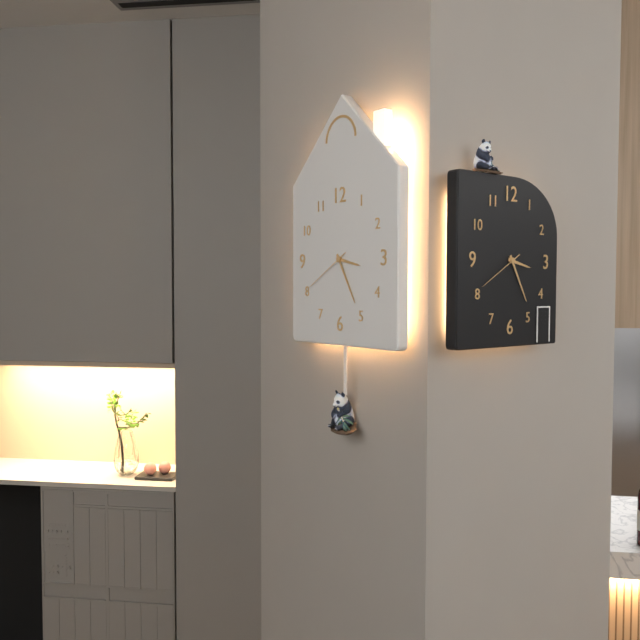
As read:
**3:25**
